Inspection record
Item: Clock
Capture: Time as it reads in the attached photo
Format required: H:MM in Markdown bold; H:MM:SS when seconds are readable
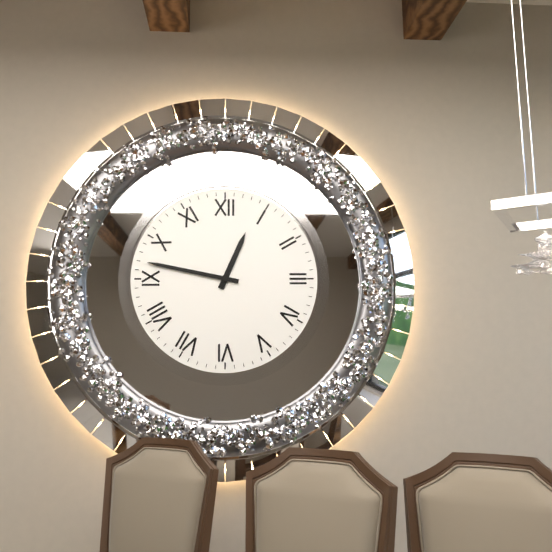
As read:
**12:47**
